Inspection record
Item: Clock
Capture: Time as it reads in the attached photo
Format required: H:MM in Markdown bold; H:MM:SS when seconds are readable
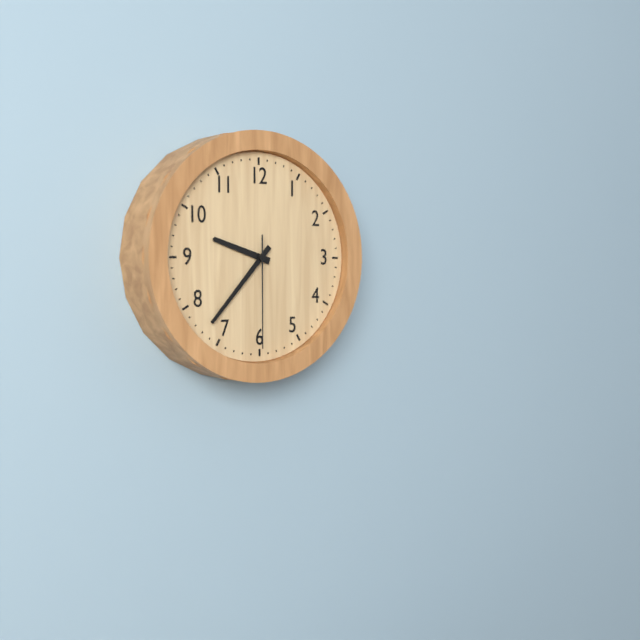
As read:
**9:37:30**
